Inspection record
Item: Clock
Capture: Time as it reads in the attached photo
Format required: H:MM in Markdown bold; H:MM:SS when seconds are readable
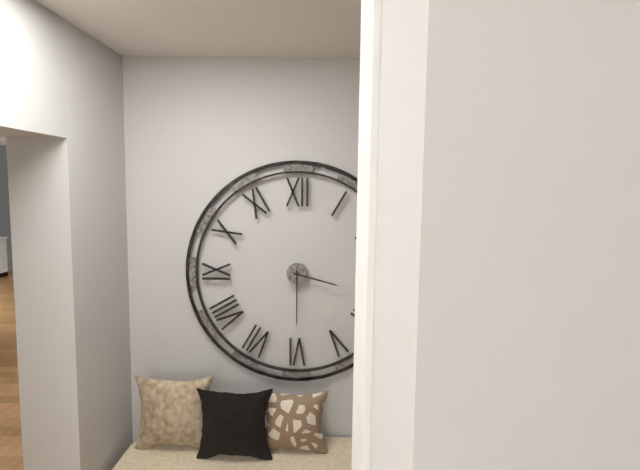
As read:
**3:30**
